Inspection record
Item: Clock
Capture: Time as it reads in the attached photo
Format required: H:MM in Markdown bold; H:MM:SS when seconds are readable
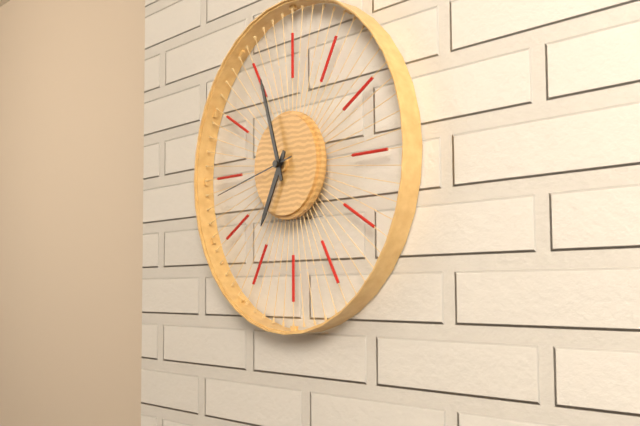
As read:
**6:57:43**
